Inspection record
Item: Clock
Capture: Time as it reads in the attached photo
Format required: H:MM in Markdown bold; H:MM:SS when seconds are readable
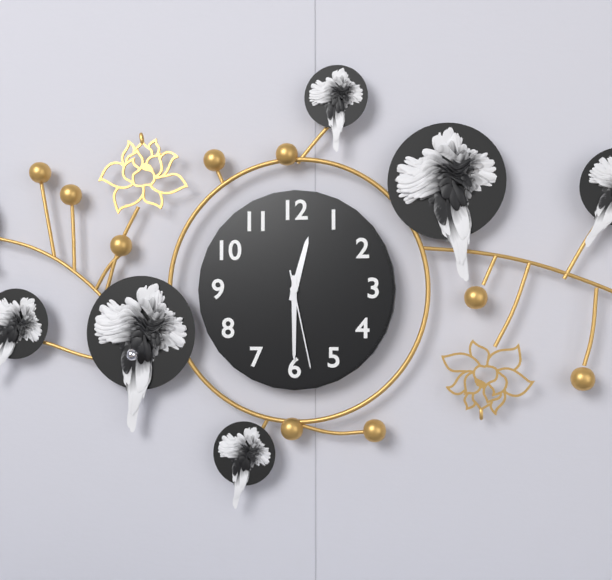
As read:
**12:30:28**
